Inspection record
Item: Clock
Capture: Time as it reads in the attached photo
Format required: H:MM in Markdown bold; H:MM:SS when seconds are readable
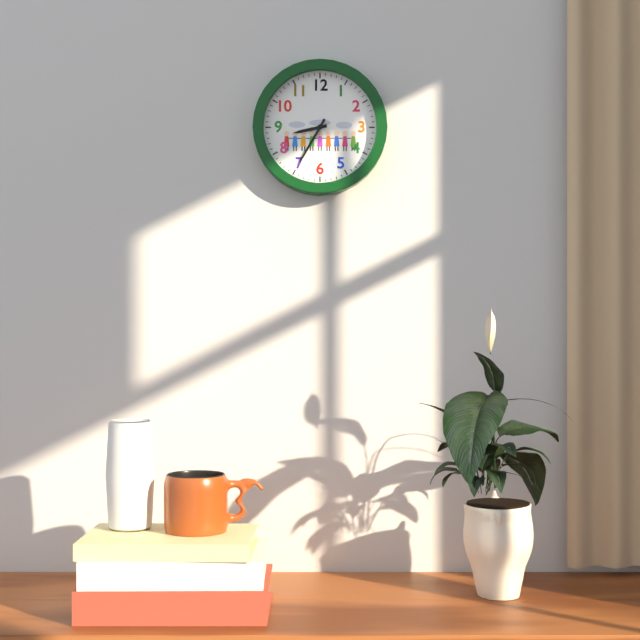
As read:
**8:35**
